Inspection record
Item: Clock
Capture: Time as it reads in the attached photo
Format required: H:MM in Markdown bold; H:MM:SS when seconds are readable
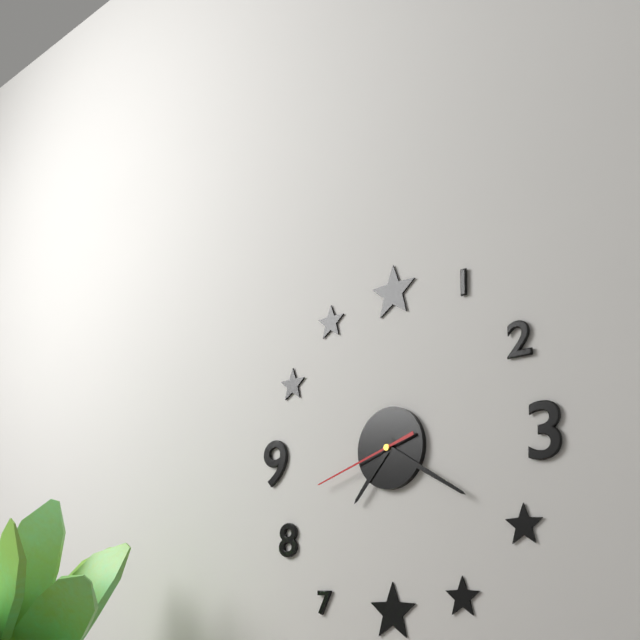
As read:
**7:20:42**
